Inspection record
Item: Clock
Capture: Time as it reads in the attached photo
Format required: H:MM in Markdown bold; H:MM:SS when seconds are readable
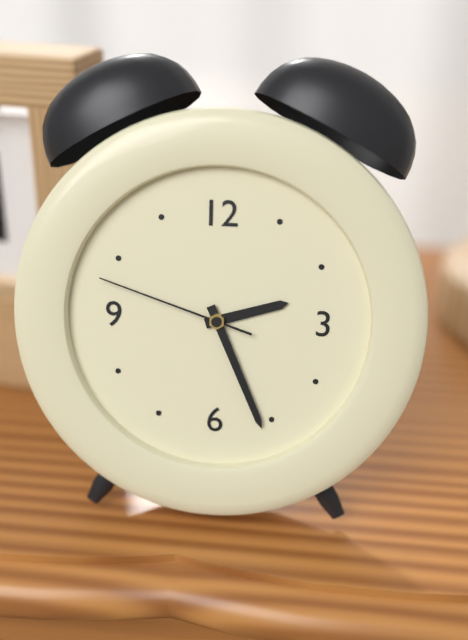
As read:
**2:26:48**
